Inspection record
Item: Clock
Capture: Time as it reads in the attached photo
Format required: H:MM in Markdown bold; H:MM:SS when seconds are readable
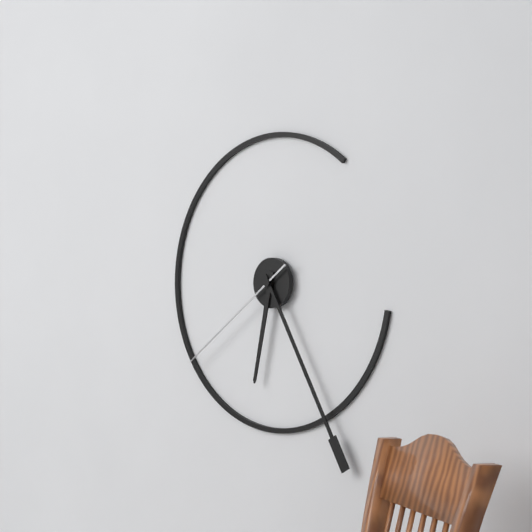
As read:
**6:25:39**
